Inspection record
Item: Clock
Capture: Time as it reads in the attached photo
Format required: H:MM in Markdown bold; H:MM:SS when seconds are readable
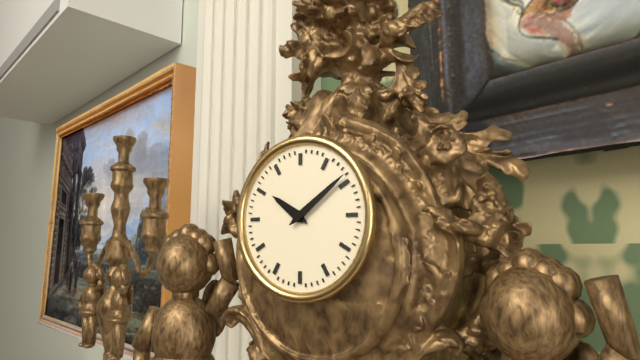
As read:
**10:09**
